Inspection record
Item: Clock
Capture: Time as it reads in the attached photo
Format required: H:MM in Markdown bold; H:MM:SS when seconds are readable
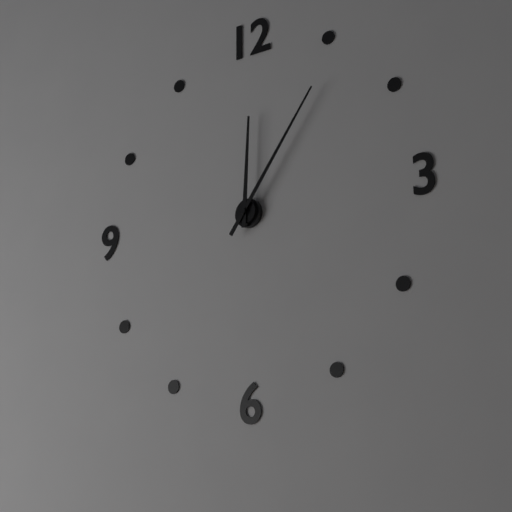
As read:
**12:06**
